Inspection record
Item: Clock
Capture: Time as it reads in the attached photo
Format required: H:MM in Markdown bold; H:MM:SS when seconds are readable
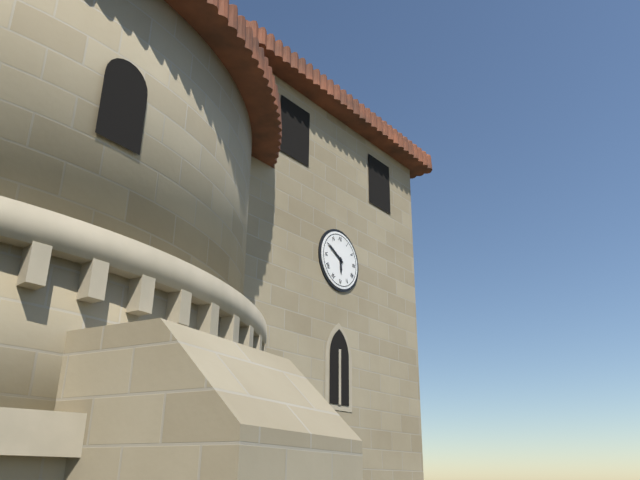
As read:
**5:50**
